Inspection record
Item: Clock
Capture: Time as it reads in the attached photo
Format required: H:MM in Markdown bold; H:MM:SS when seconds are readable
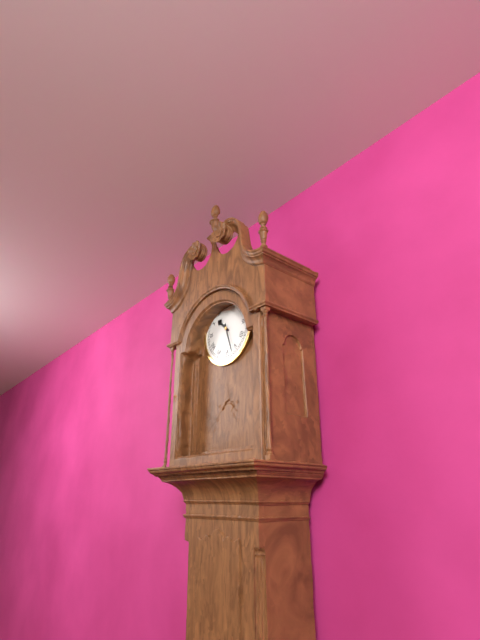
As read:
**10:27**
